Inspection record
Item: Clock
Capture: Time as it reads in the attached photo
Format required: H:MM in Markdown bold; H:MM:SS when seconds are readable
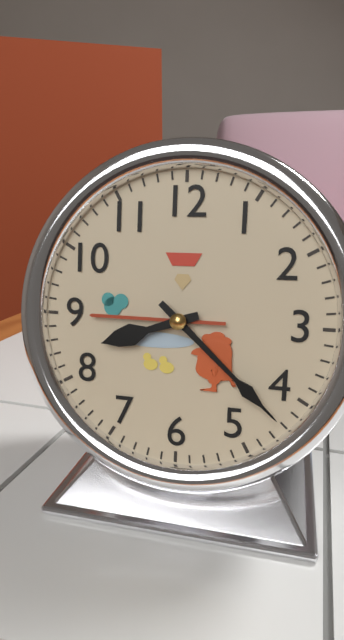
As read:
**8:22**
